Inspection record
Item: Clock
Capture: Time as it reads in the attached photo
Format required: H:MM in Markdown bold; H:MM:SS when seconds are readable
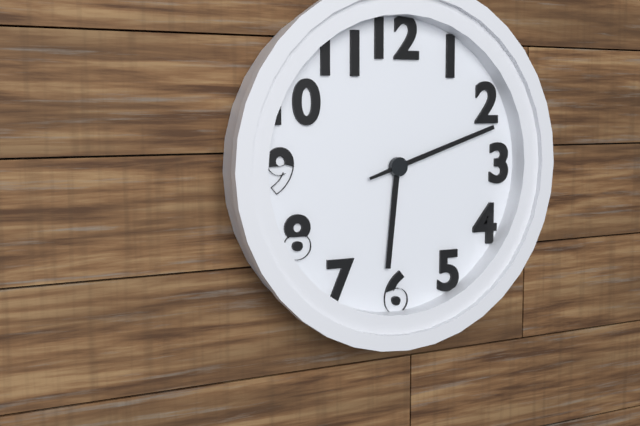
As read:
**6:12**
